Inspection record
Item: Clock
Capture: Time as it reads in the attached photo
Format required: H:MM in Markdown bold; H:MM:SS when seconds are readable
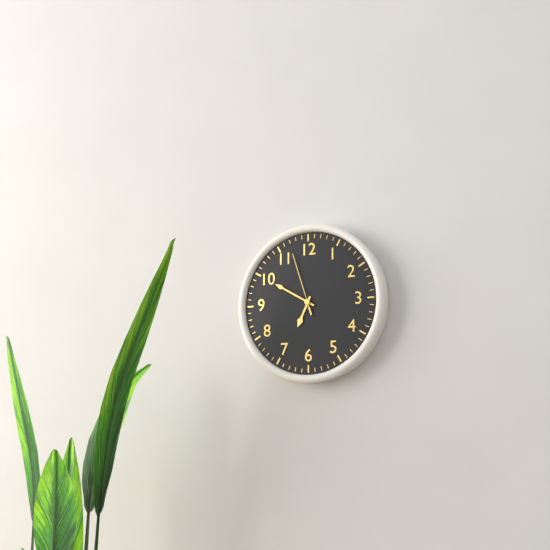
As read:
**6:50:57**
